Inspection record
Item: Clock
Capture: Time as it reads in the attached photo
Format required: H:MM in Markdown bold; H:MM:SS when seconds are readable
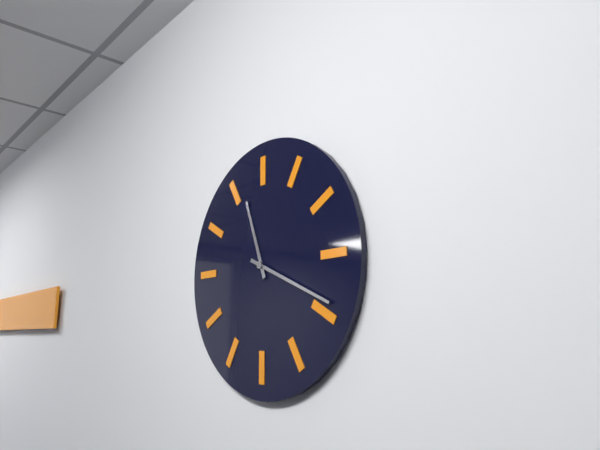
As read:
**11:19**
